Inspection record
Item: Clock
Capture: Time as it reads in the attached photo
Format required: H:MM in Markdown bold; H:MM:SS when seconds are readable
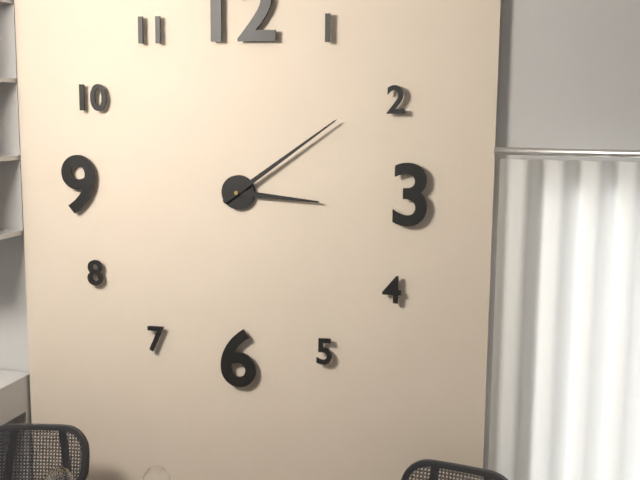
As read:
**3:09**
